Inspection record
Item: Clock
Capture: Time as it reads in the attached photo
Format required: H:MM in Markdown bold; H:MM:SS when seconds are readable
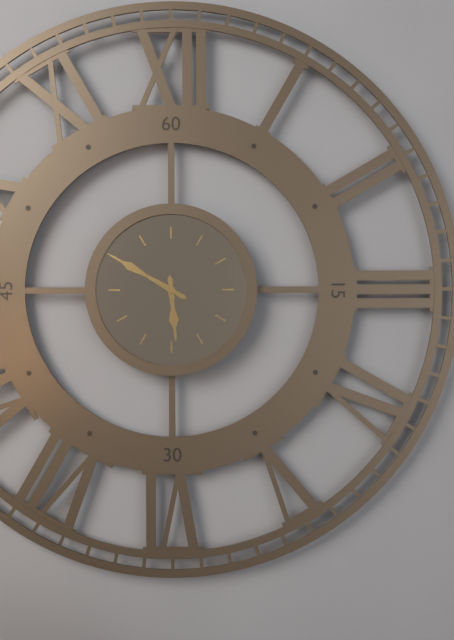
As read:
**5:50**
